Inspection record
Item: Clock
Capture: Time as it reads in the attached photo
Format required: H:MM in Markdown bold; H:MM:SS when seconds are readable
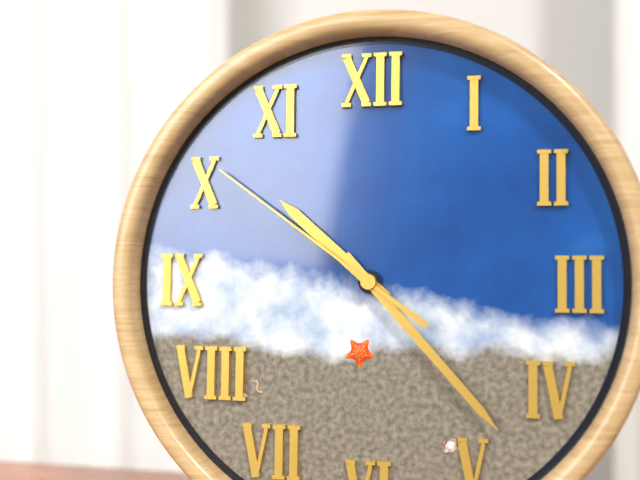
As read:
**10:23:51**
